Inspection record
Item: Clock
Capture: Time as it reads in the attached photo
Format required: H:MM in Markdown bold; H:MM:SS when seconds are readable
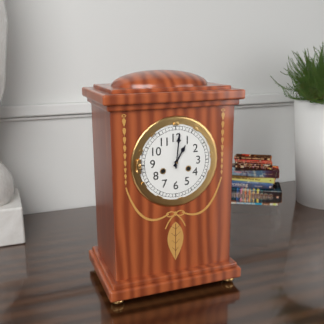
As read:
**1:01**
